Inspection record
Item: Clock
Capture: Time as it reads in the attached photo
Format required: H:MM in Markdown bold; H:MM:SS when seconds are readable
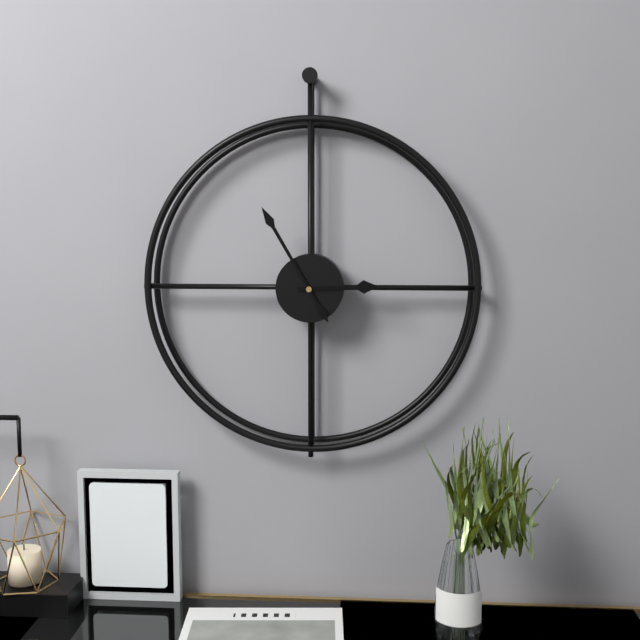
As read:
**2:55**
